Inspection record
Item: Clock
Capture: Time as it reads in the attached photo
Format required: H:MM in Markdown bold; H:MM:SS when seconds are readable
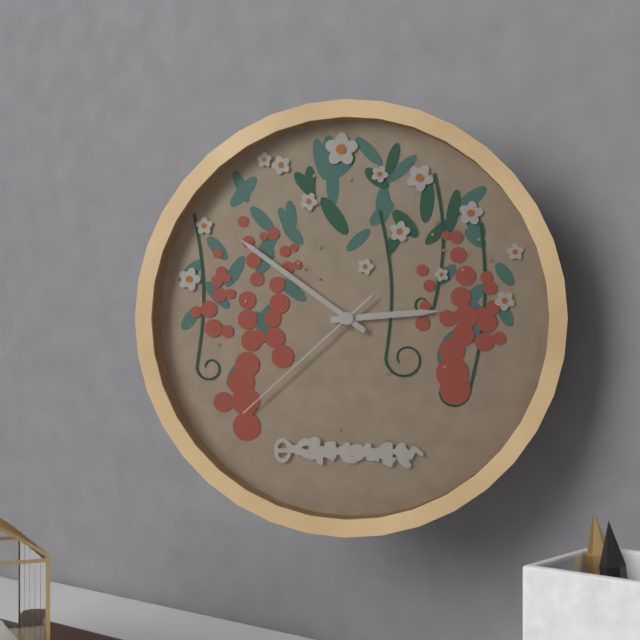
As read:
**2:51:38**
